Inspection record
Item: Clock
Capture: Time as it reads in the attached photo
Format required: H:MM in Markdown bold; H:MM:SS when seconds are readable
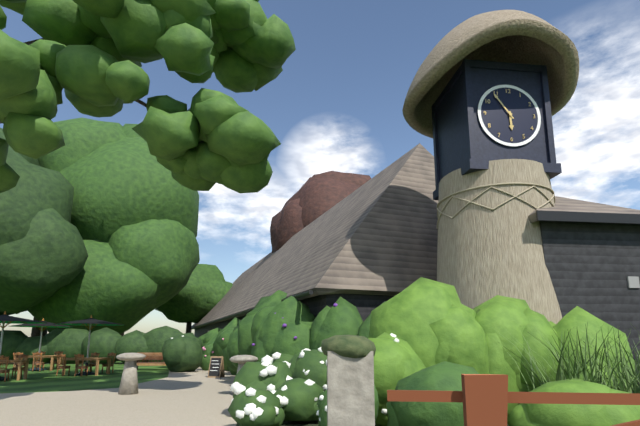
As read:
**5:54**
